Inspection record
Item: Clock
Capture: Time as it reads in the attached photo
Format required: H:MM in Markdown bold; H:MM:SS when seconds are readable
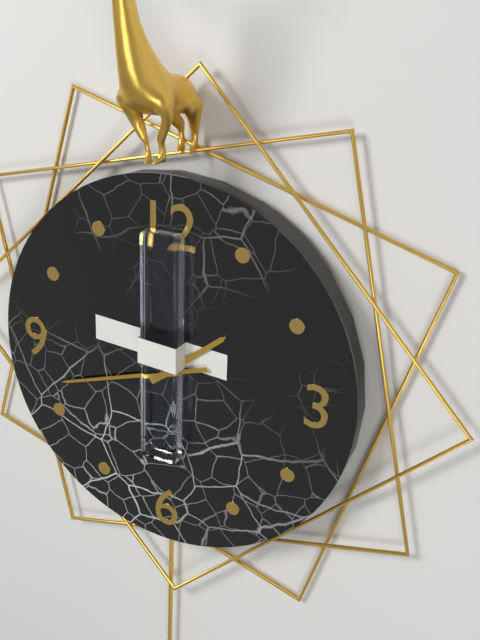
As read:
**1:42**
